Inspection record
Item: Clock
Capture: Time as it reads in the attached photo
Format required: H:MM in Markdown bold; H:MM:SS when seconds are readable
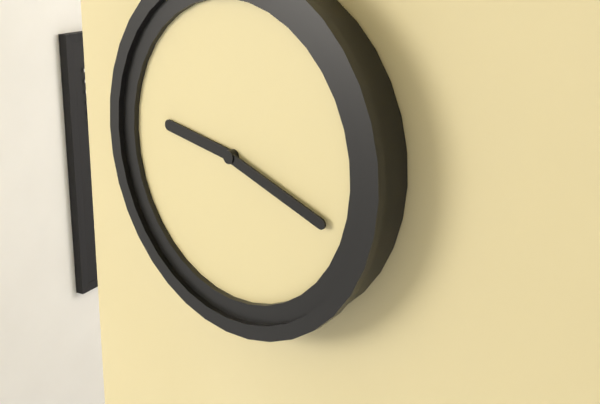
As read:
**9:18**
